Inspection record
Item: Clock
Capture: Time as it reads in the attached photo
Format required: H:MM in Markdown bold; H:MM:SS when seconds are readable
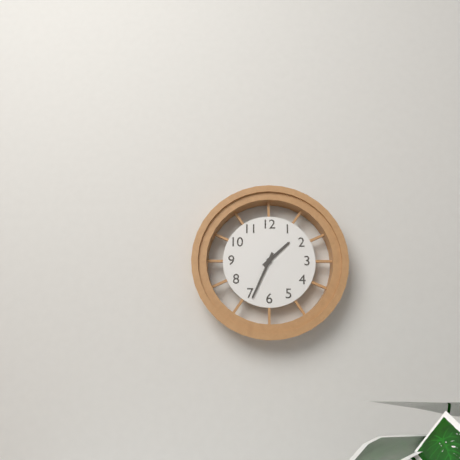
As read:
**1:34**
